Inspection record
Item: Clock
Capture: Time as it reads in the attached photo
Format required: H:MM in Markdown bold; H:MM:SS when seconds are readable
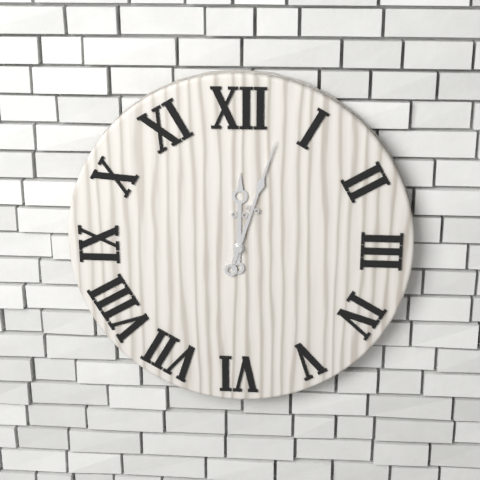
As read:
**12:03**
